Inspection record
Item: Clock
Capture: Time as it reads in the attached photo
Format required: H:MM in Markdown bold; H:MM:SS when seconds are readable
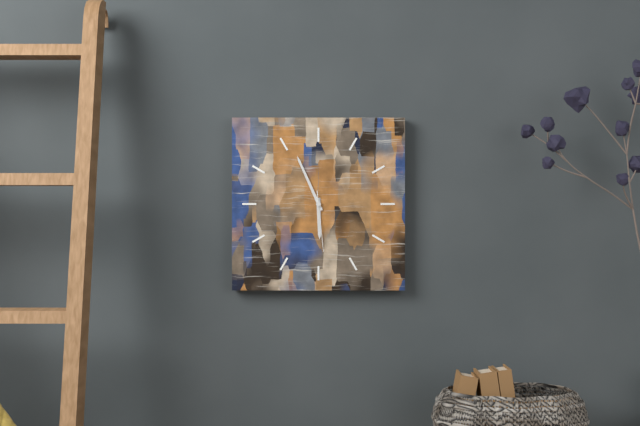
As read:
**5:56:29**
